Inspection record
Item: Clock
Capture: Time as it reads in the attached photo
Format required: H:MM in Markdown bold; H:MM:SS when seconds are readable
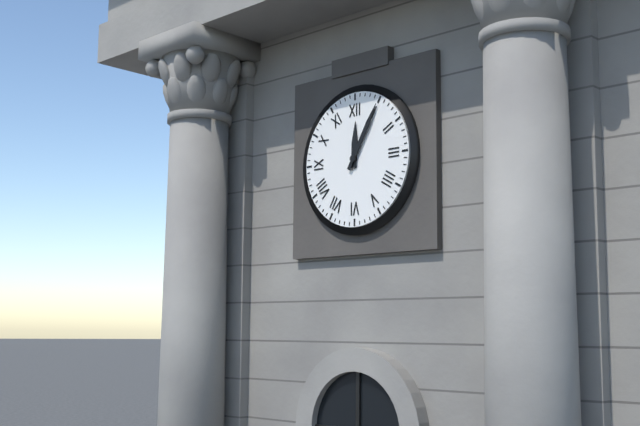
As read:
**12:05**
